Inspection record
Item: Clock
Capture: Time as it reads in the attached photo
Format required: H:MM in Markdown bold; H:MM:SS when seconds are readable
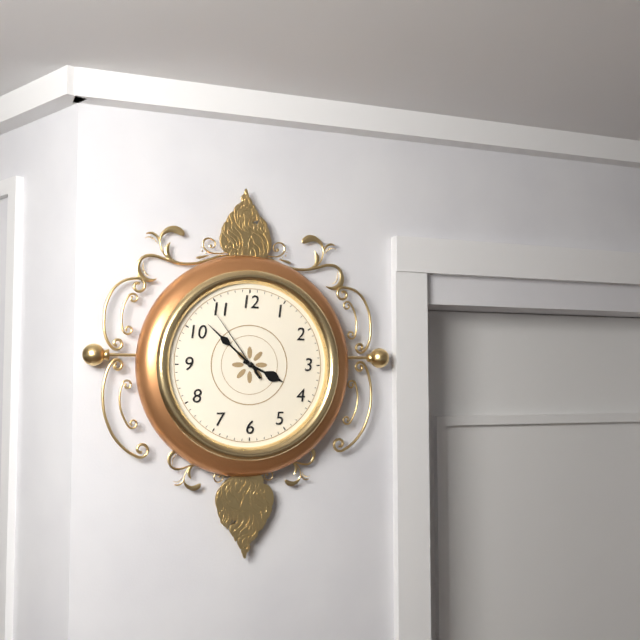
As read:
**3:52:54**
